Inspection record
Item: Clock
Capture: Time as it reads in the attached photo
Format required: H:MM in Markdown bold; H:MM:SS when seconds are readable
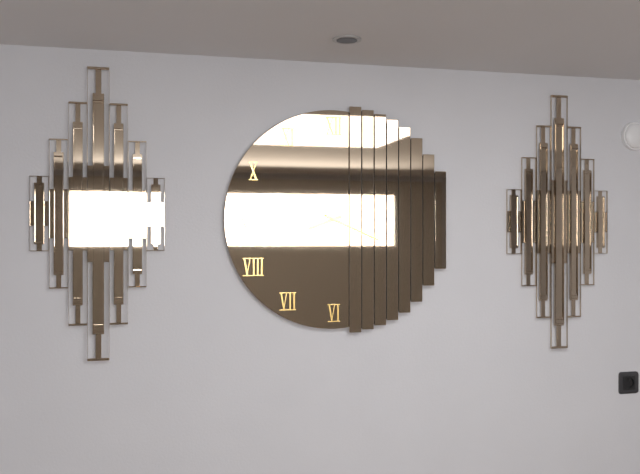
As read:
**8:19**
